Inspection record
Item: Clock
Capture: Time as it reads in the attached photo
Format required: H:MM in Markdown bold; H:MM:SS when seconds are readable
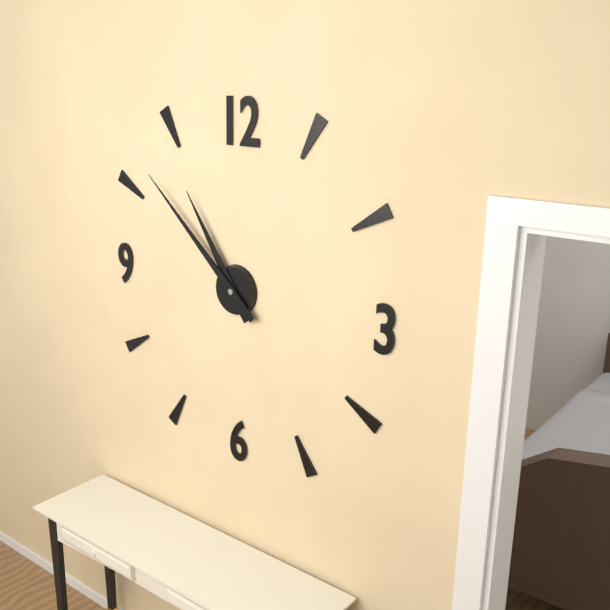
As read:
**10:52**
